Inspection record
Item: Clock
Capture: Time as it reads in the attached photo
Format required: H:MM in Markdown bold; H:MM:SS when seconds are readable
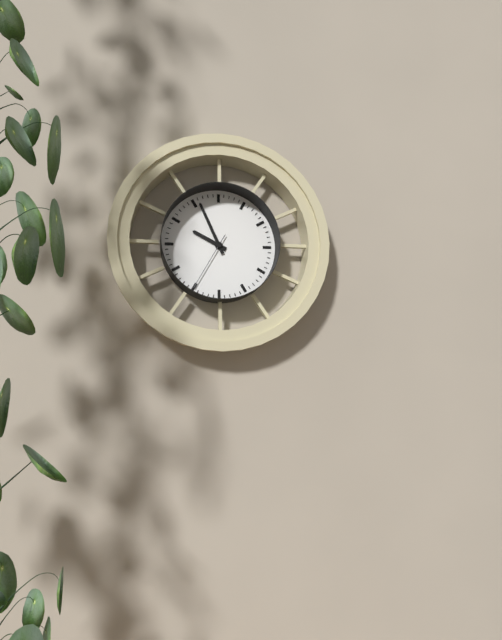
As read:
**9:56:35**
